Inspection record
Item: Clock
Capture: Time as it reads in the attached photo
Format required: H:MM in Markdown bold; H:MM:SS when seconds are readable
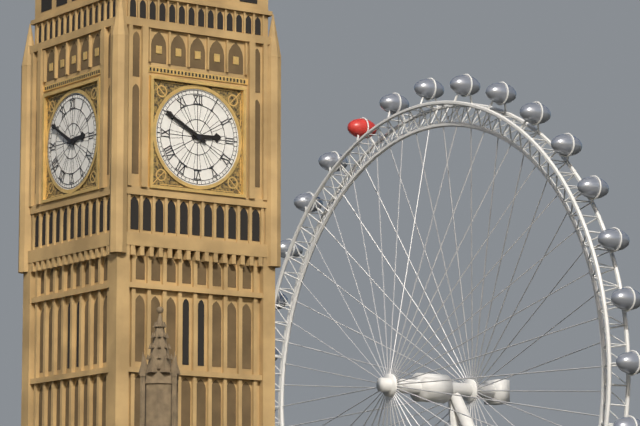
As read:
**2:50**
